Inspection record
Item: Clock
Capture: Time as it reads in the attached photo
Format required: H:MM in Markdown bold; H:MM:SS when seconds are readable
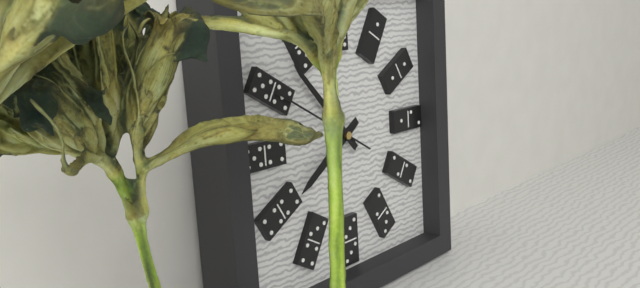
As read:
**7:53:50**
